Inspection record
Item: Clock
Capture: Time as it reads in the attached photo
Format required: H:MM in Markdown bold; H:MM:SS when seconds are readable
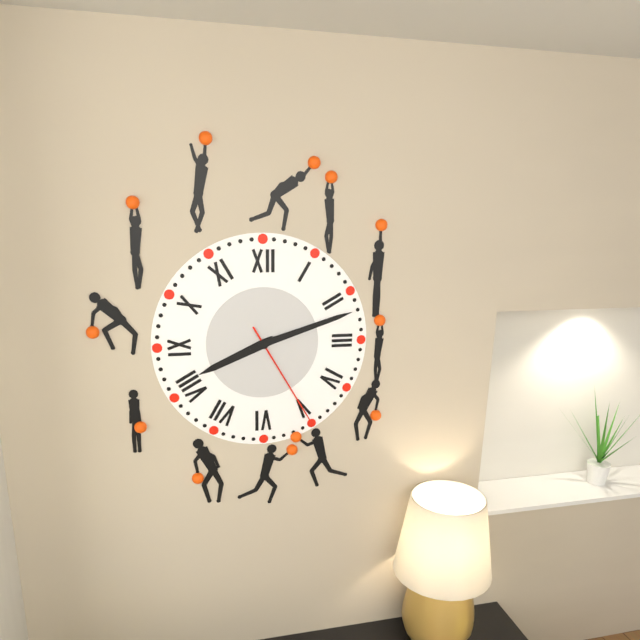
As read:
**8:12:25**
